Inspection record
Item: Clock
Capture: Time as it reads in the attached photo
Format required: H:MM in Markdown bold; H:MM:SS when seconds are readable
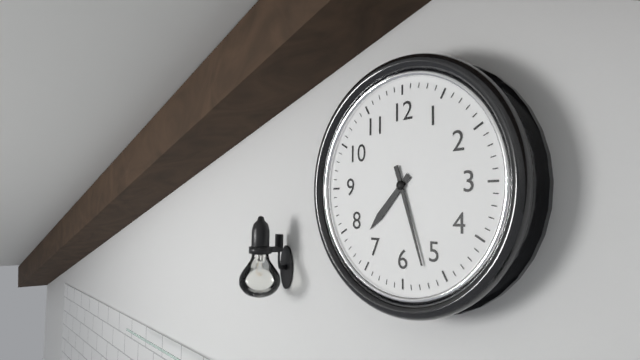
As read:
**7:27**
